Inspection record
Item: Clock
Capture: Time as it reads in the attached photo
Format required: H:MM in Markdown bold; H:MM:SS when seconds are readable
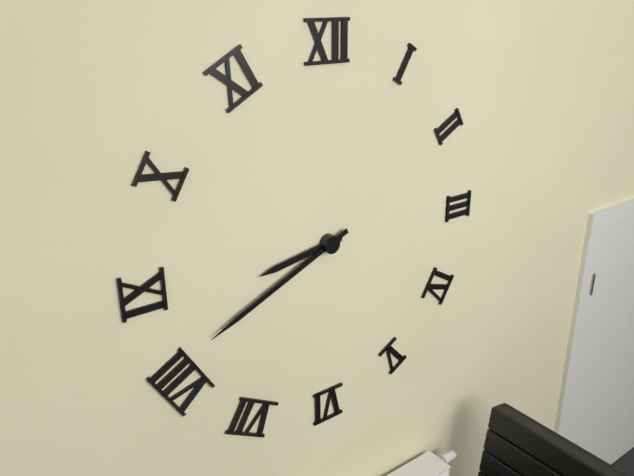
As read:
**8:41**
